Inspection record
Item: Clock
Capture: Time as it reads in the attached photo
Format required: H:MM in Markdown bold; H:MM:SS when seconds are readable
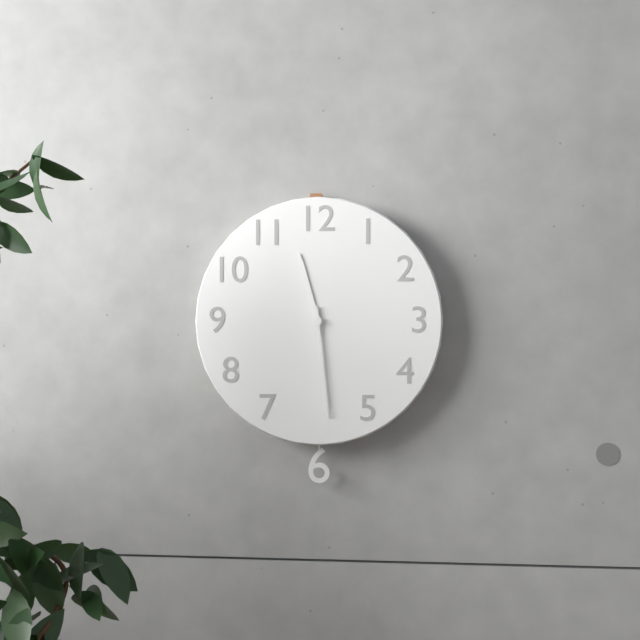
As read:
**11:29**
